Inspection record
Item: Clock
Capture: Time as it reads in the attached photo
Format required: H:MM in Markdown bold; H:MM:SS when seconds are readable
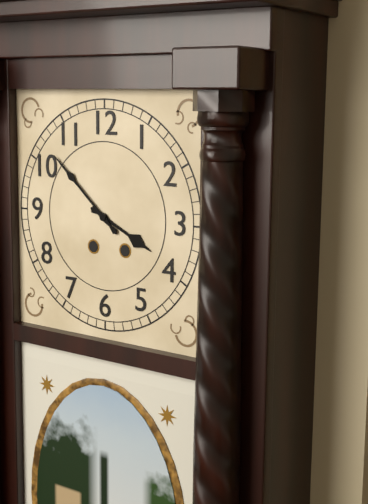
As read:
**3:52**
